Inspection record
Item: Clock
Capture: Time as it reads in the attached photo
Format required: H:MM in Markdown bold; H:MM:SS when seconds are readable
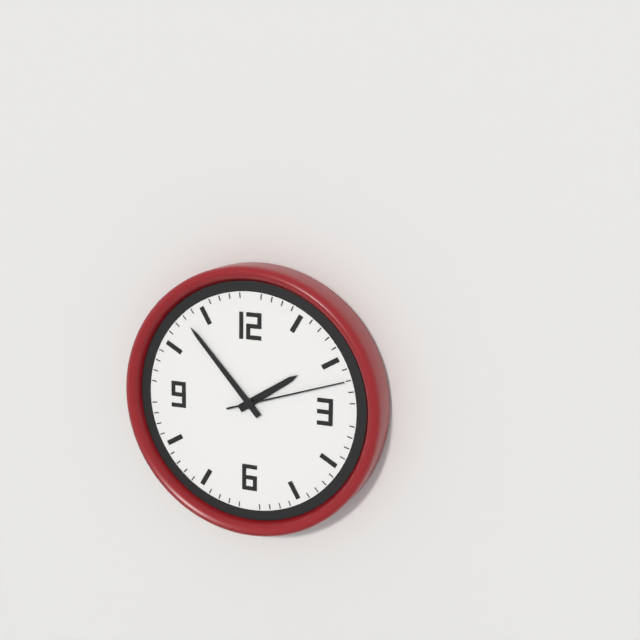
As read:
**1:53:12**
